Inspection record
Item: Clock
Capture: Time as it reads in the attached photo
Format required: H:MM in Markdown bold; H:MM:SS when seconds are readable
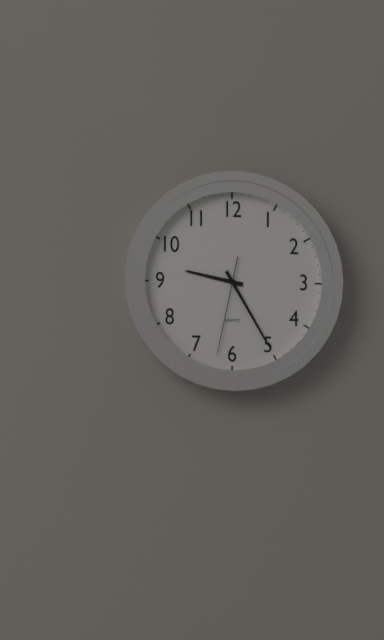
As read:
**9:25:32**
